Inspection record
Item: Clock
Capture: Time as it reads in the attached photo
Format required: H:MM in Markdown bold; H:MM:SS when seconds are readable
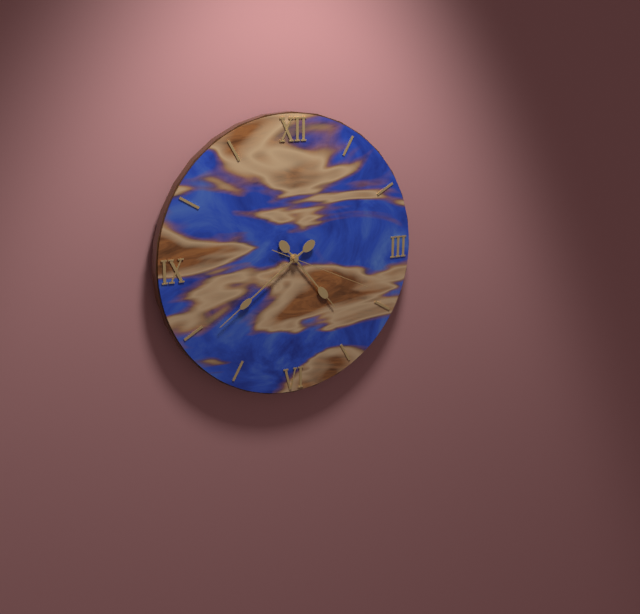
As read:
**4:39:19**
